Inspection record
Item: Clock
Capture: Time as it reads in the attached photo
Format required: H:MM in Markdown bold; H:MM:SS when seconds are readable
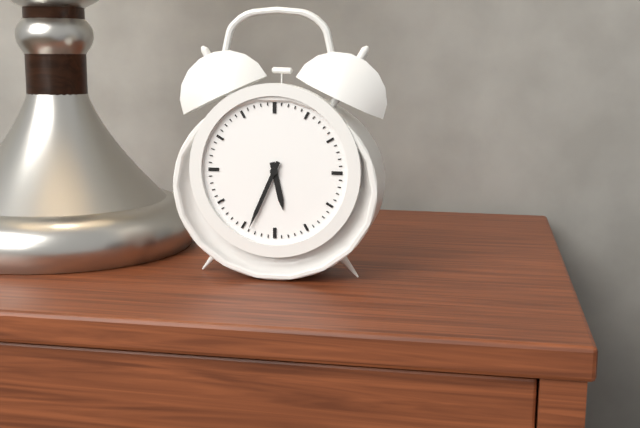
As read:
**5:34**
